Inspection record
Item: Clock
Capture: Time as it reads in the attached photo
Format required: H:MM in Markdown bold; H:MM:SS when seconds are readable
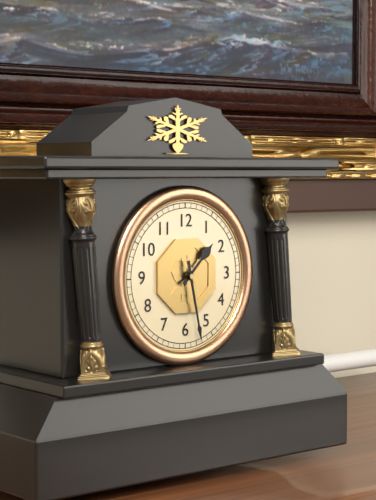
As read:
**1:28**
